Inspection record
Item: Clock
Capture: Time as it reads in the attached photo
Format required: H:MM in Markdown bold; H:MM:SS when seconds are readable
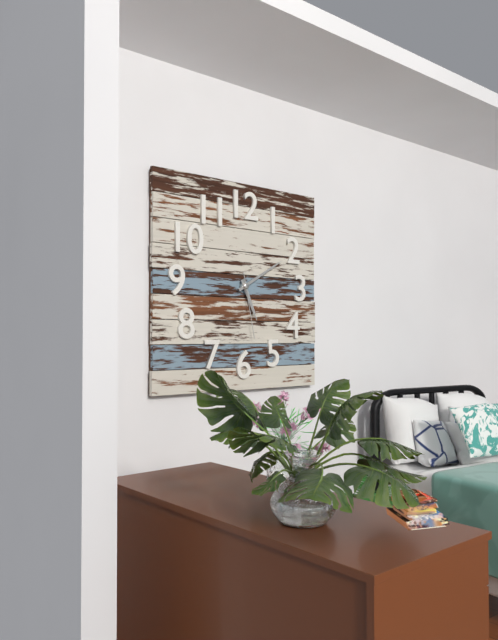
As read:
**5:10:28**
